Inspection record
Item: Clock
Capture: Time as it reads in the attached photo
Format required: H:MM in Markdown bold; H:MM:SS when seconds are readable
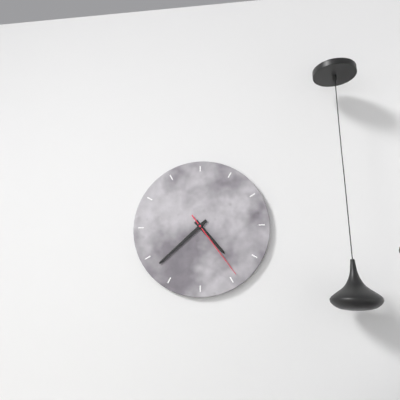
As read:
**4:38:24**
